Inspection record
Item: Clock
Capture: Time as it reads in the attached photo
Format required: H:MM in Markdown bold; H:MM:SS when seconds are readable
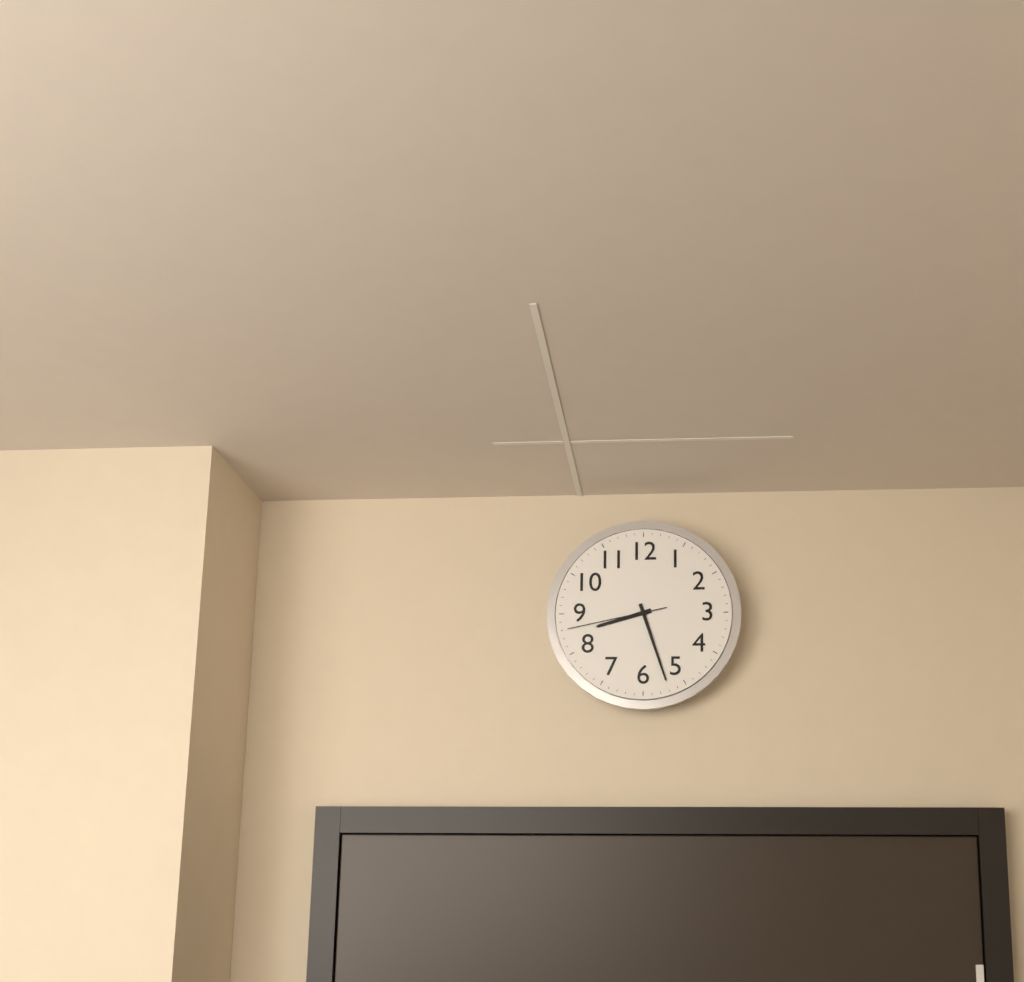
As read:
**8:27:43**
